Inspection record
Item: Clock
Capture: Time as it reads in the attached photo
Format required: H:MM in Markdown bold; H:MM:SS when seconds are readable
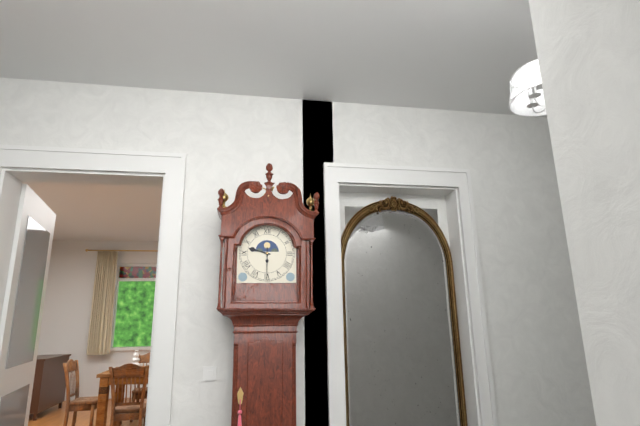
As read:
**9:30**
